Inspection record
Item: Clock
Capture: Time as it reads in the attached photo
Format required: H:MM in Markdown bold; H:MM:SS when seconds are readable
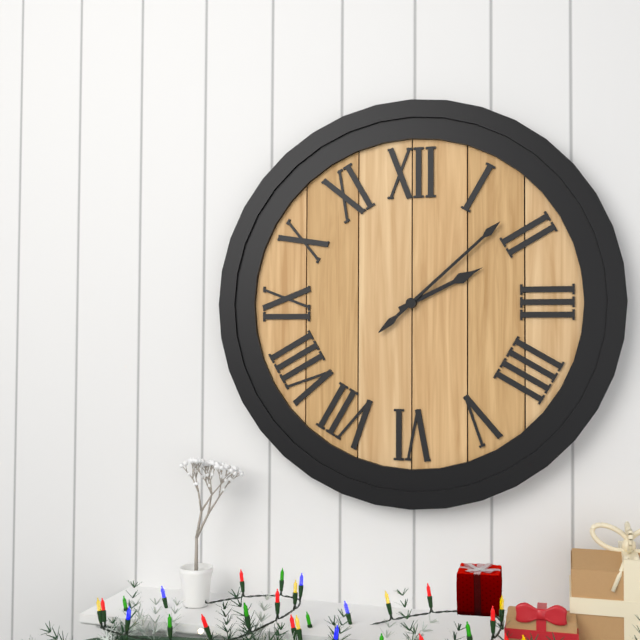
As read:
**2:08**
